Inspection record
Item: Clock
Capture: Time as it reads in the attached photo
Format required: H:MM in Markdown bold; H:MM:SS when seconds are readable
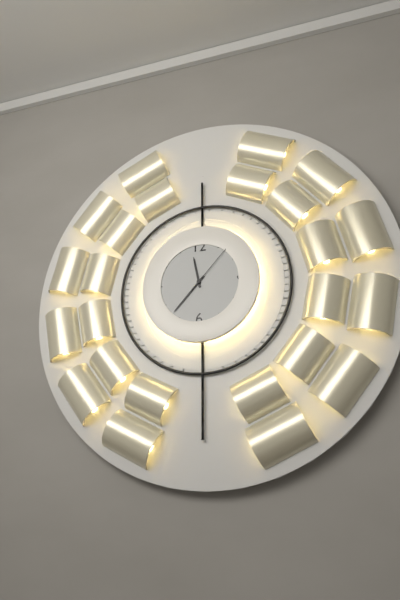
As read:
**11:37:07**
